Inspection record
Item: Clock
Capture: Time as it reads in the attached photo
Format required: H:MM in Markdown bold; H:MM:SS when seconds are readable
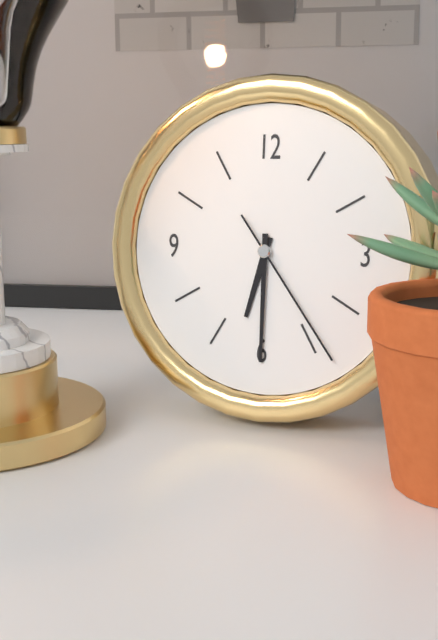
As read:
**6:30:24**
